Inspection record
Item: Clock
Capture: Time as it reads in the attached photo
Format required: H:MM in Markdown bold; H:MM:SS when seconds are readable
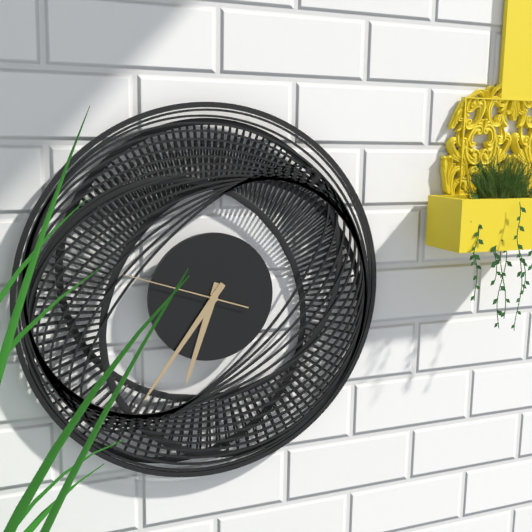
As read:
**6:36:48**
